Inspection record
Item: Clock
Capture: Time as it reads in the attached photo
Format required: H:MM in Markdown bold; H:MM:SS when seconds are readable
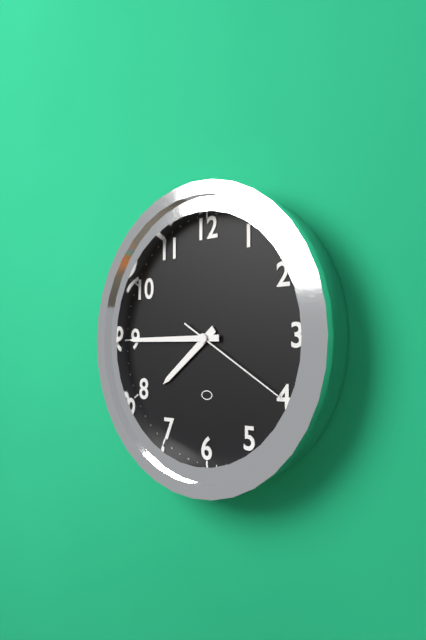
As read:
**7:45:20**
